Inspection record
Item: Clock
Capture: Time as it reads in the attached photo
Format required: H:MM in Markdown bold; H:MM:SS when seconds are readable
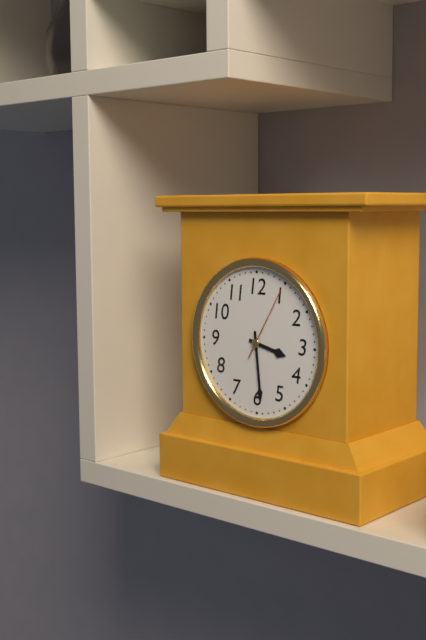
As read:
**3:29:05**
